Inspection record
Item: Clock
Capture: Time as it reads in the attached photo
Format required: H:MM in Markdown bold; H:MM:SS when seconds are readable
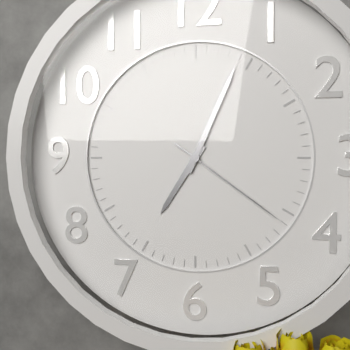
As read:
**7:04:21**
